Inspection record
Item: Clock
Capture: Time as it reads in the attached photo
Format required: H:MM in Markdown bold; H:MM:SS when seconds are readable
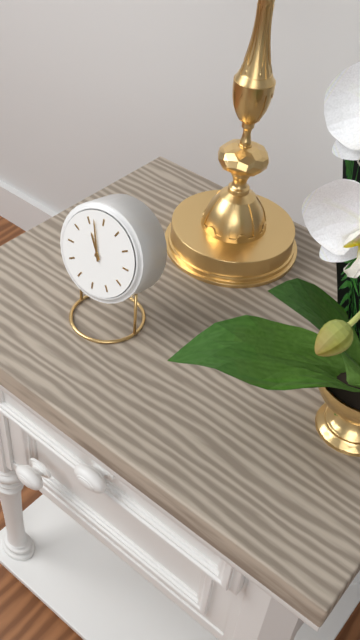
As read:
**10:57**
